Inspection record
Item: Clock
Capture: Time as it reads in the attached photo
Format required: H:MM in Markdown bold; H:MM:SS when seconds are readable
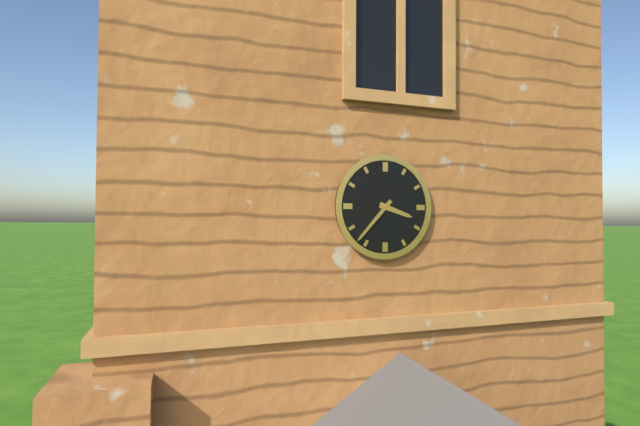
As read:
**3:37**
